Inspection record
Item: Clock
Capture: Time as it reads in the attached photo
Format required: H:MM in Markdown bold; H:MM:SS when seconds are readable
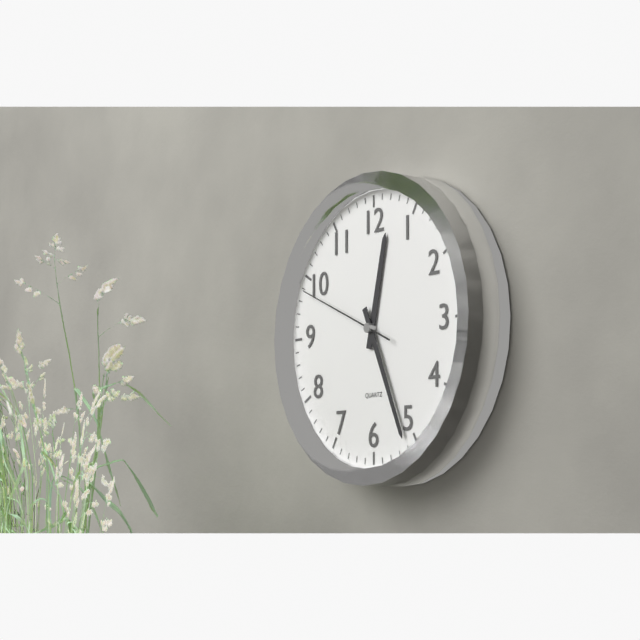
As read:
**12:26:49**
